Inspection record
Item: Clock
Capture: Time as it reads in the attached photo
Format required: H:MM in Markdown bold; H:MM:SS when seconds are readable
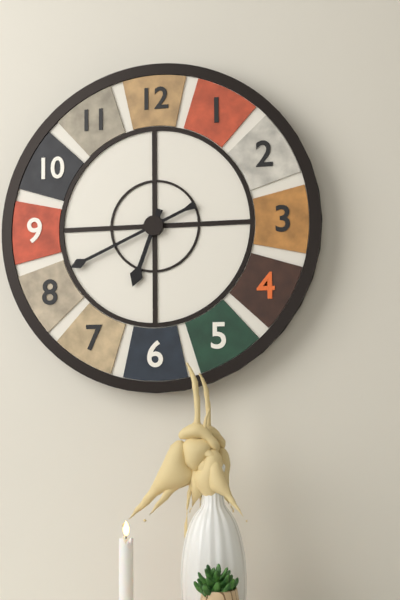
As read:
**6:41**
